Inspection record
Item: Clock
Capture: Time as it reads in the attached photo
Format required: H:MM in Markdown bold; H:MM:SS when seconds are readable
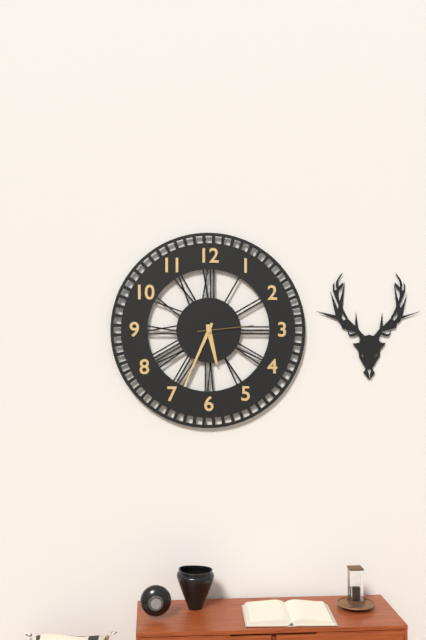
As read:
**5:34:14**
